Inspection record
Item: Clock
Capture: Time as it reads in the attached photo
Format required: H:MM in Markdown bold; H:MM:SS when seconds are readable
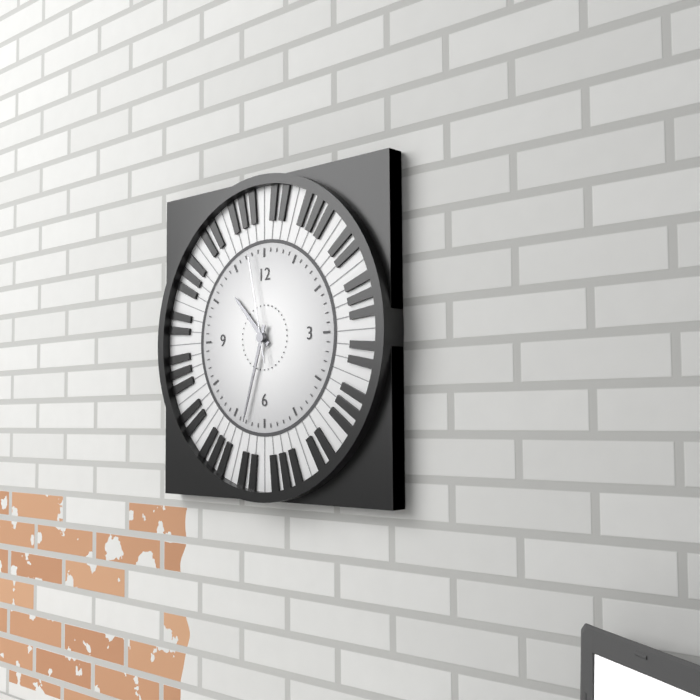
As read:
**10:33:58**
